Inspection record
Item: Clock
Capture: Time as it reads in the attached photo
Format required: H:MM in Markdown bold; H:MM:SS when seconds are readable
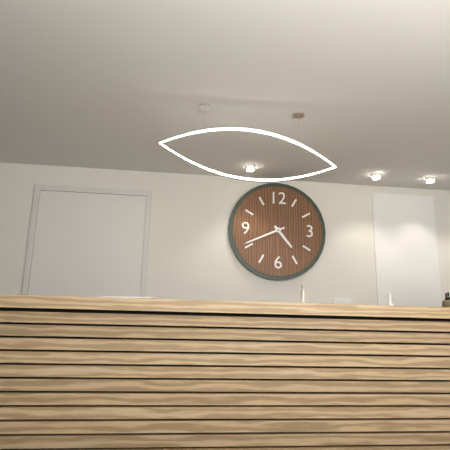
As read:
**4:41**
